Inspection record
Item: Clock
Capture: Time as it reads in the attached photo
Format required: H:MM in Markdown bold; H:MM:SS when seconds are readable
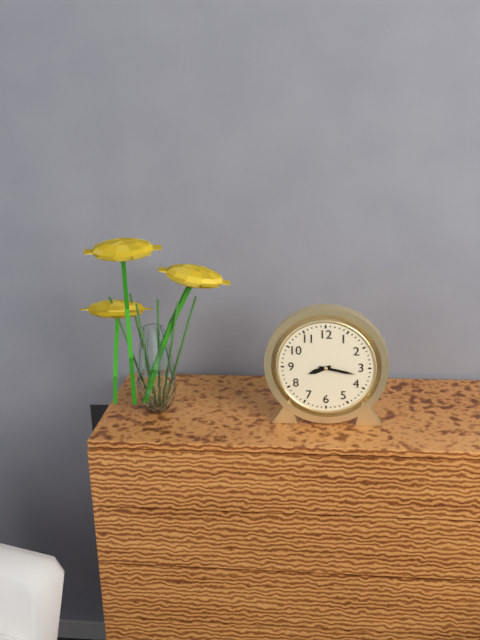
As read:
**8:17**
